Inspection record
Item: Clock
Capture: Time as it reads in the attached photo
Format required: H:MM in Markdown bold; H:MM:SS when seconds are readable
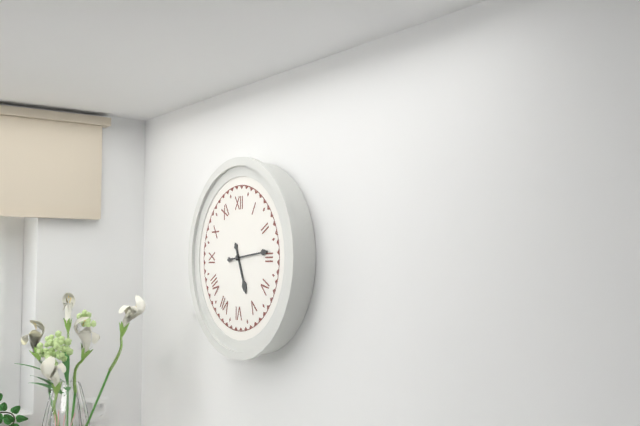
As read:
**5:14**
